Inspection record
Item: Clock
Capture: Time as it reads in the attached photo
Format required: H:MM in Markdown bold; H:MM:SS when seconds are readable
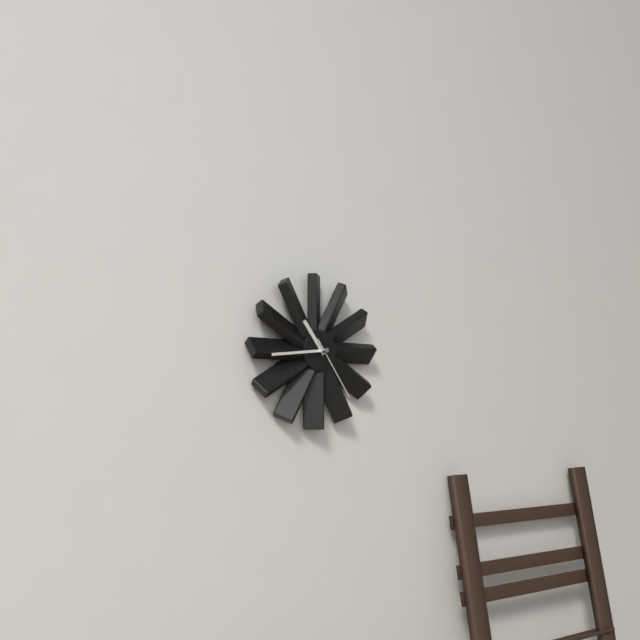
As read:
**10:44:24**
